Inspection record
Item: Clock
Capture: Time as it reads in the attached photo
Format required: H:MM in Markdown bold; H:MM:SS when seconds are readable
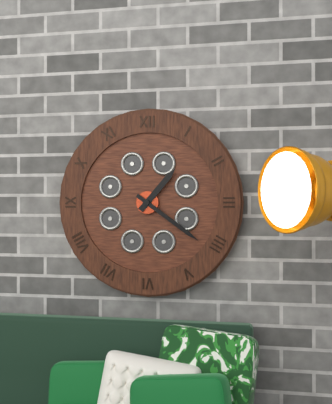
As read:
**1:21**
